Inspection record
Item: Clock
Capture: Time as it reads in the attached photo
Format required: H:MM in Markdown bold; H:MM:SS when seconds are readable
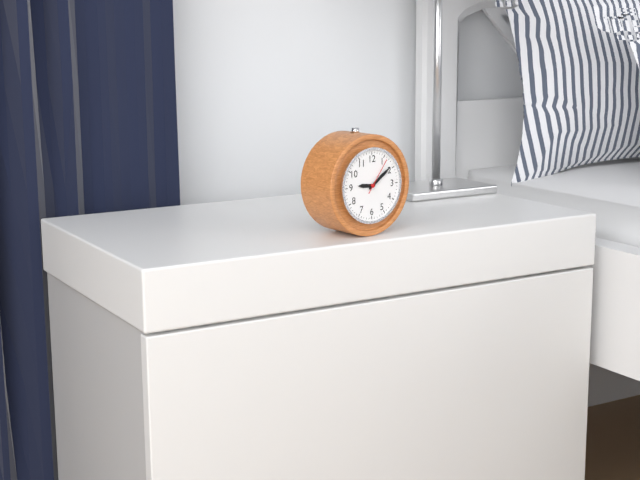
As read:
**9:09**
